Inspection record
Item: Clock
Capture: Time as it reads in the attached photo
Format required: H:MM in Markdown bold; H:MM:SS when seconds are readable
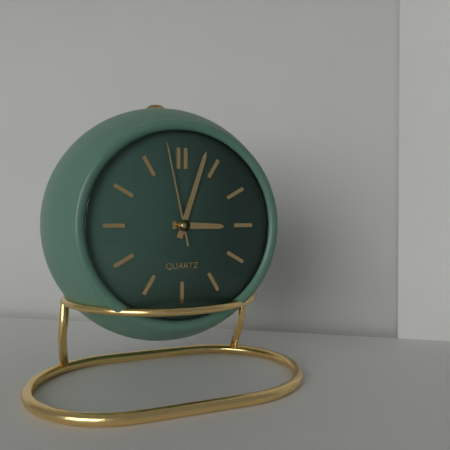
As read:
**3:03:58**
